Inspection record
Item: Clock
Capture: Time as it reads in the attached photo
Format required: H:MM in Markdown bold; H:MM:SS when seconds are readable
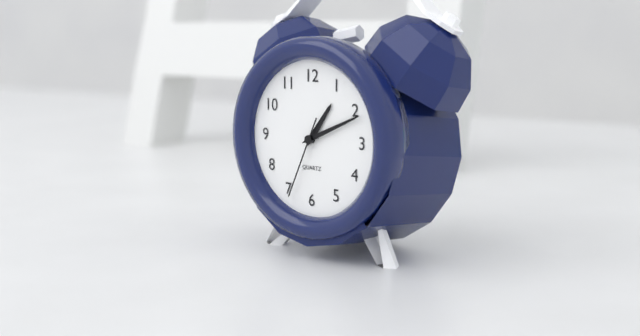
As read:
**1:11:34**
